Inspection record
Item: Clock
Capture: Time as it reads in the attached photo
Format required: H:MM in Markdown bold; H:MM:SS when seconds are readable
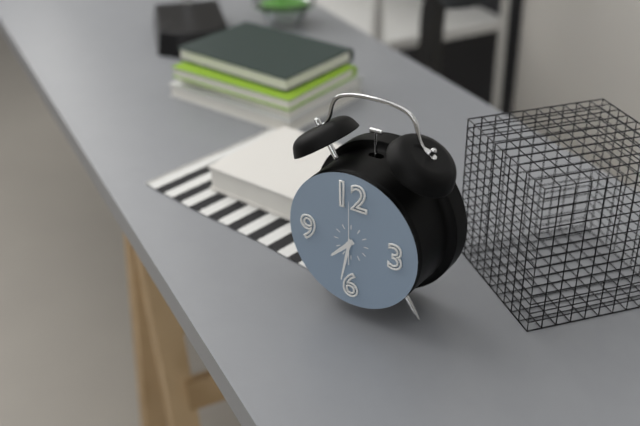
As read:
**7:32:00**
